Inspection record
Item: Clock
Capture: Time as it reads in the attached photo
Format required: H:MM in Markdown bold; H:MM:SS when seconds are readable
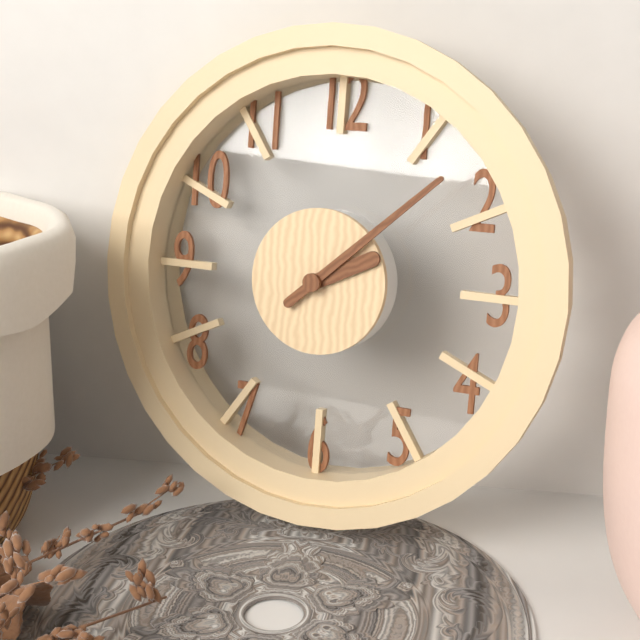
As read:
**2:08**
